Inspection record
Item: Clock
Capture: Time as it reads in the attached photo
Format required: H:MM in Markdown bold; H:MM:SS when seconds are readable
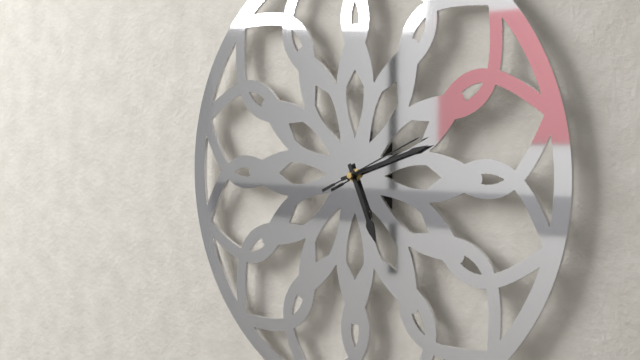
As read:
**5:12:11**
